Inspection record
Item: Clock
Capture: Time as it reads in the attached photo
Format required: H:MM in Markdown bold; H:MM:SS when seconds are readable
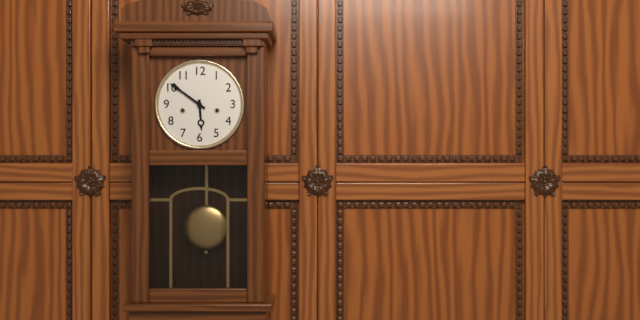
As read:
**5:51**
